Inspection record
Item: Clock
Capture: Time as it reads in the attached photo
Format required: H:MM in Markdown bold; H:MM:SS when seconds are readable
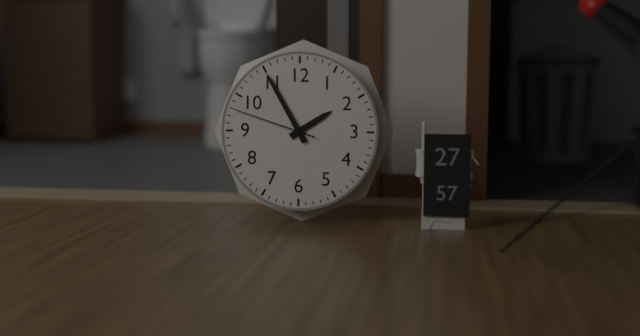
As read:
**1:55:48**
